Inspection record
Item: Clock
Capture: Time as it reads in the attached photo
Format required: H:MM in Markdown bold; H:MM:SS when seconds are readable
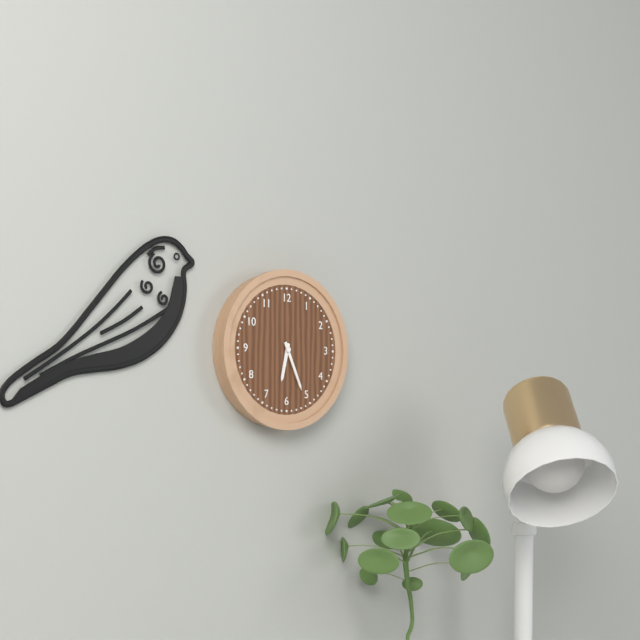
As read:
**6:26**
